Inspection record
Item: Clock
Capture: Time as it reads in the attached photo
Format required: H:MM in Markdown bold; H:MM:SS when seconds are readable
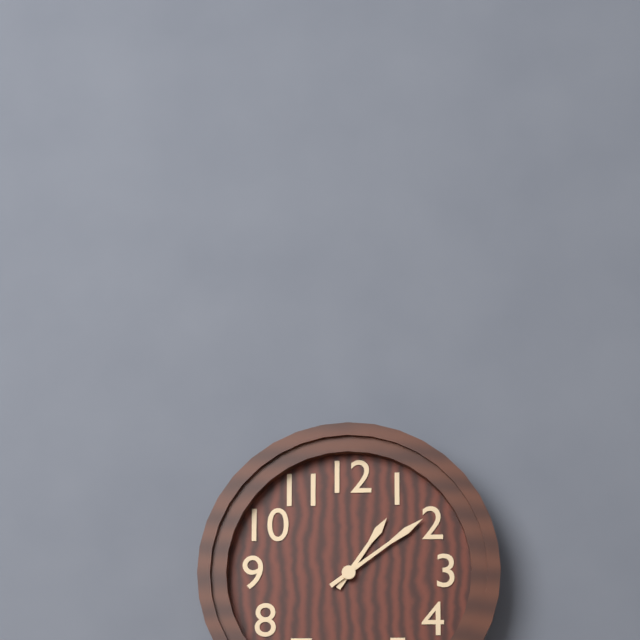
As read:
**1:09**
